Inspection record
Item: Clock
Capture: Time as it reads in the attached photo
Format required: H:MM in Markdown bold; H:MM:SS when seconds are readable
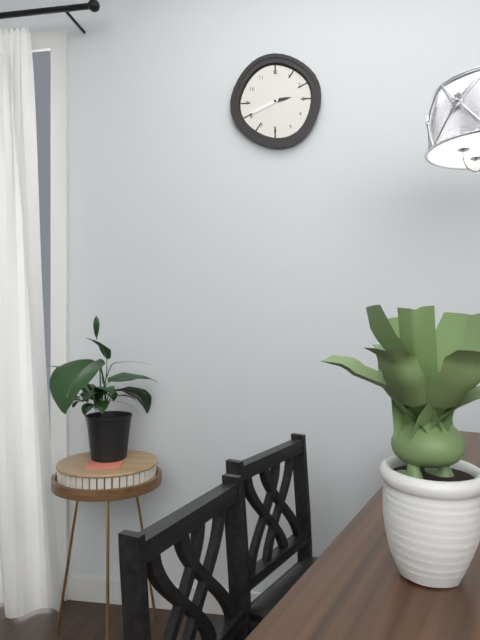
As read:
**2:41**
